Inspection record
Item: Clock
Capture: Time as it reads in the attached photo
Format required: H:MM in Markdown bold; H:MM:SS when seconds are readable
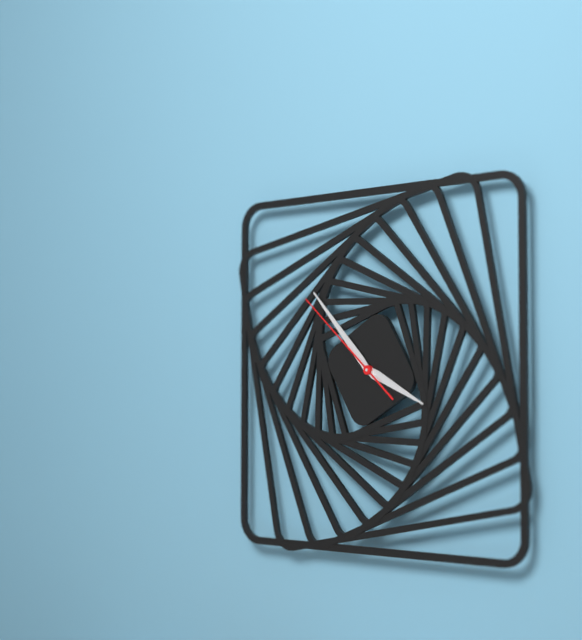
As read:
**3:53:52**
